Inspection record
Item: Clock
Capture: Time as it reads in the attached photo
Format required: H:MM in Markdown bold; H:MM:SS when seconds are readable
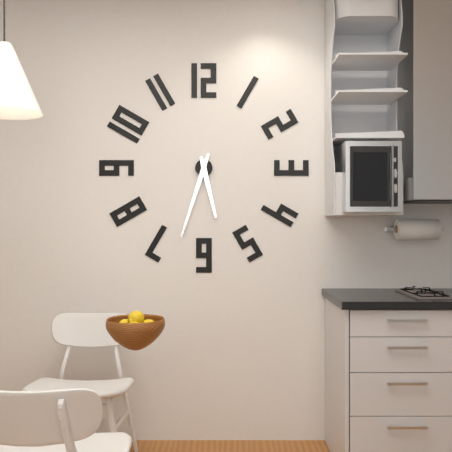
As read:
**5:33**
